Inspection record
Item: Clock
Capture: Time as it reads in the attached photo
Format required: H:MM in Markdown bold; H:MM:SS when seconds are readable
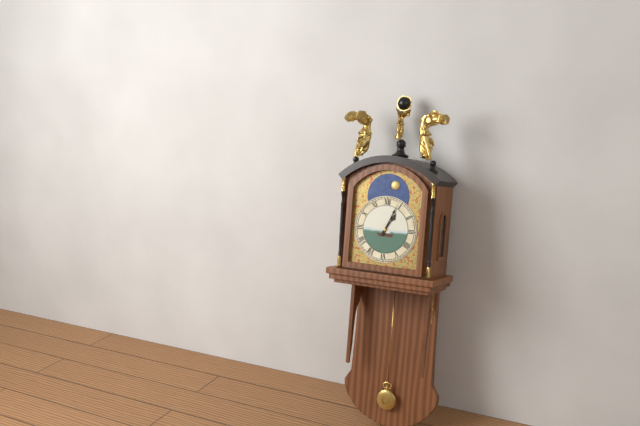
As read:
**1:04**
